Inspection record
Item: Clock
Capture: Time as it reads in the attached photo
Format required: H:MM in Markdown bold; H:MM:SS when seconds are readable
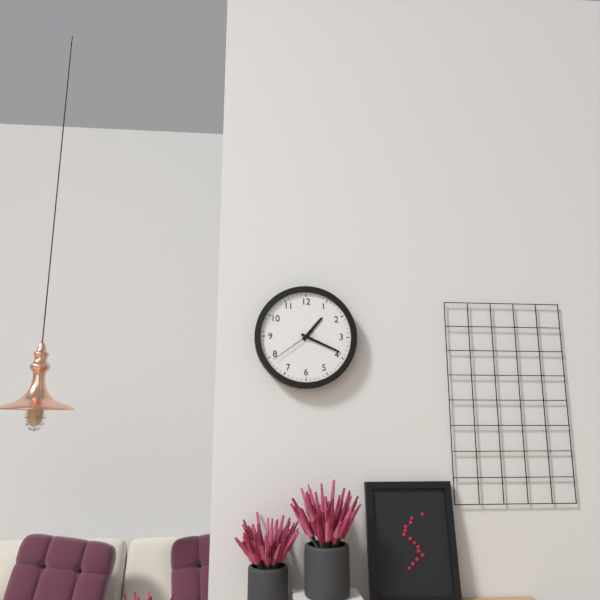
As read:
**1:19**
